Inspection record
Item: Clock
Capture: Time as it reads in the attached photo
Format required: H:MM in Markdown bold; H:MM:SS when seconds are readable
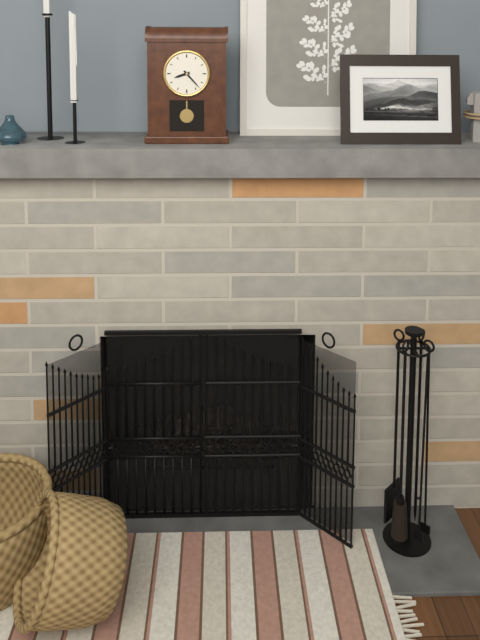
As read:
**8:23**
